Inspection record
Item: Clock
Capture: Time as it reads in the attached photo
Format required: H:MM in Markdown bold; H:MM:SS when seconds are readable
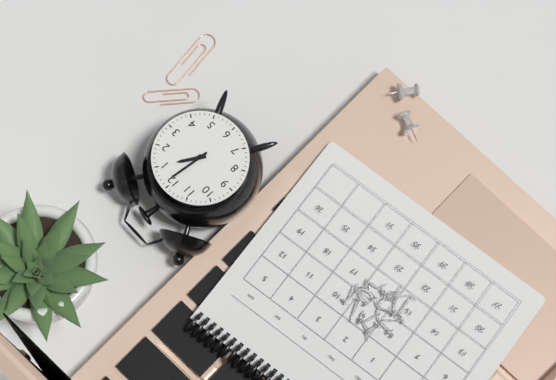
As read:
**1:01**
